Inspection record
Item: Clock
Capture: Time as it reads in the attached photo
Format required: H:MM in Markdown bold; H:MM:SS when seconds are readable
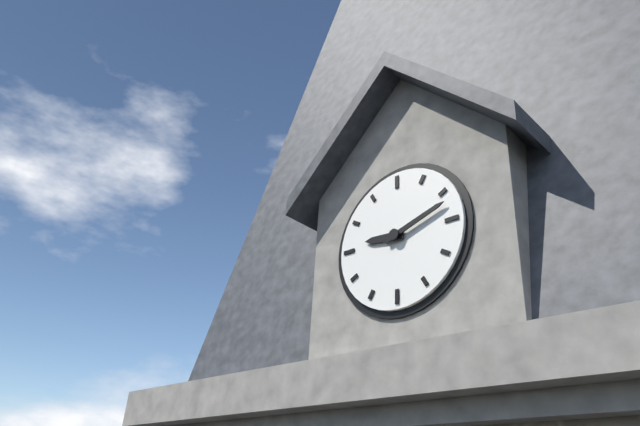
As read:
**9:12**
